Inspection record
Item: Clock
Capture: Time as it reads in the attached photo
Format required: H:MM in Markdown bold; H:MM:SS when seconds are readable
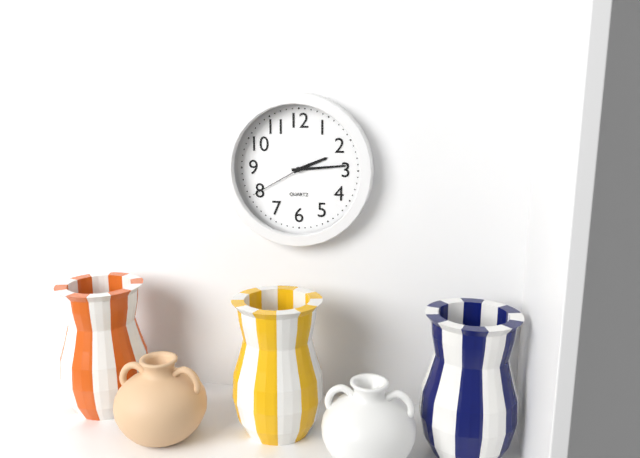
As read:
**2:14:40**
